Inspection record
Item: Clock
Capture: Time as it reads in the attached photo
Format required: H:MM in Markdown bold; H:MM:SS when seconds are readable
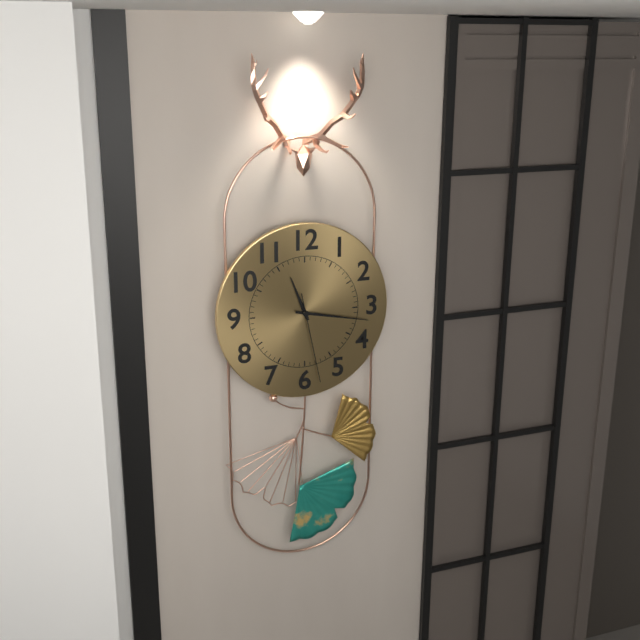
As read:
**11:17:28**
